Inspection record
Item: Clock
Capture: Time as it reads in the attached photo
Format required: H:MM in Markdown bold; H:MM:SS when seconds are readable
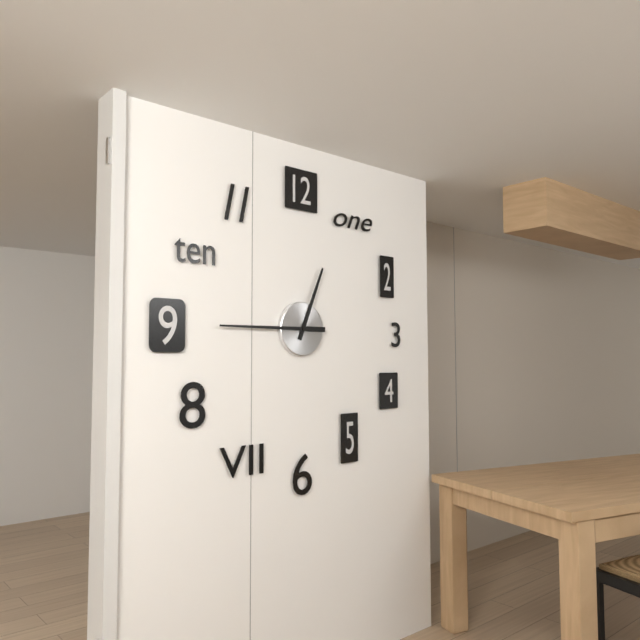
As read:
**12:45**
